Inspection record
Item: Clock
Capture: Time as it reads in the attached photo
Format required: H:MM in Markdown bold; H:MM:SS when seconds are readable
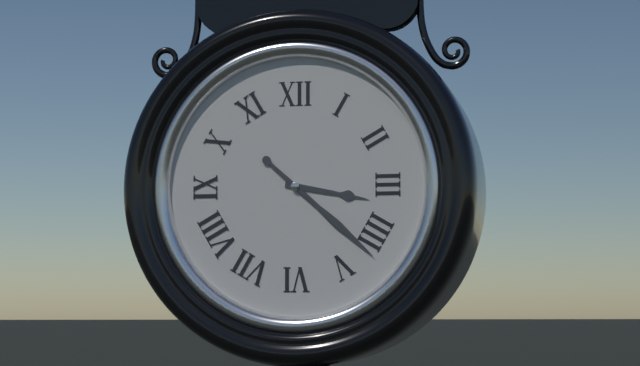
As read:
**3:22**
